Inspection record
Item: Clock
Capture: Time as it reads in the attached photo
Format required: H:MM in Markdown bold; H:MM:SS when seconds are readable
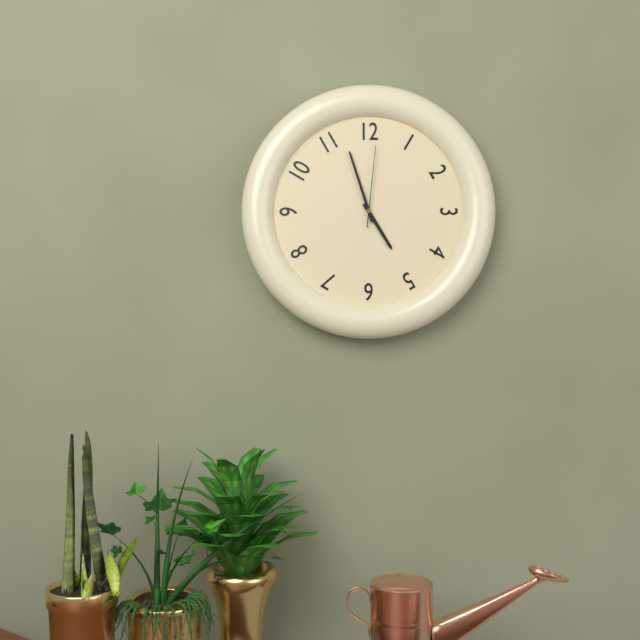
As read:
**4:57:01**
